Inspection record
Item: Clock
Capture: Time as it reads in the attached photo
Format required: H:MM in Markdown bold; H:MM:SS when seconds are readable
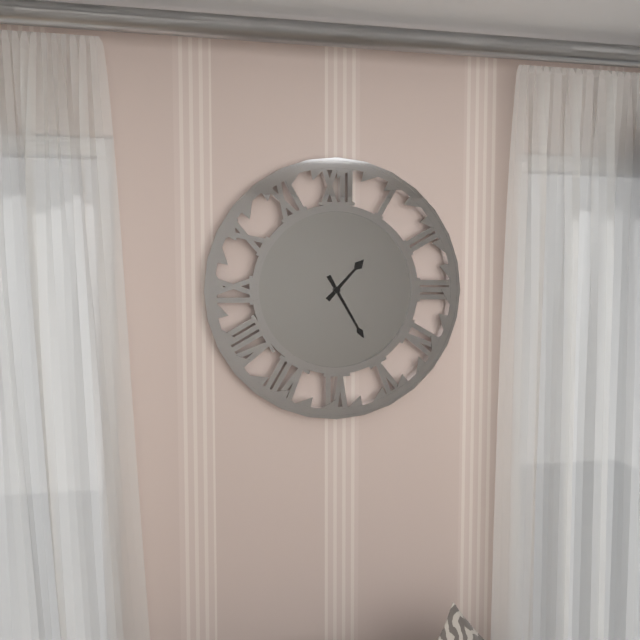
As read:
**1:25**
